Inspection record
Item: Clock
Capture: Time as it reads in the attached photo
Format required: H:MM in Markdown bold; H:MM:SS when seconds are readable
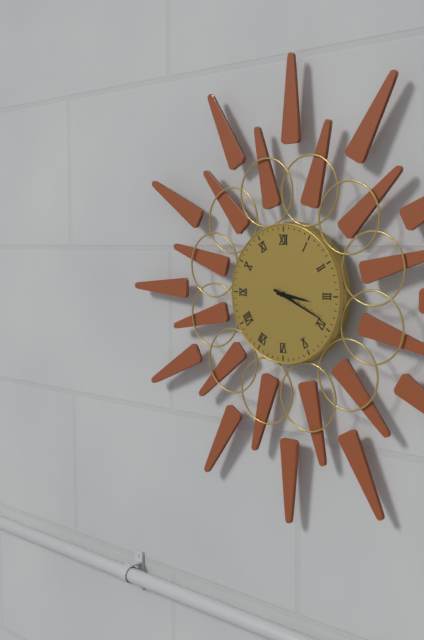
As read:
**3:19**
